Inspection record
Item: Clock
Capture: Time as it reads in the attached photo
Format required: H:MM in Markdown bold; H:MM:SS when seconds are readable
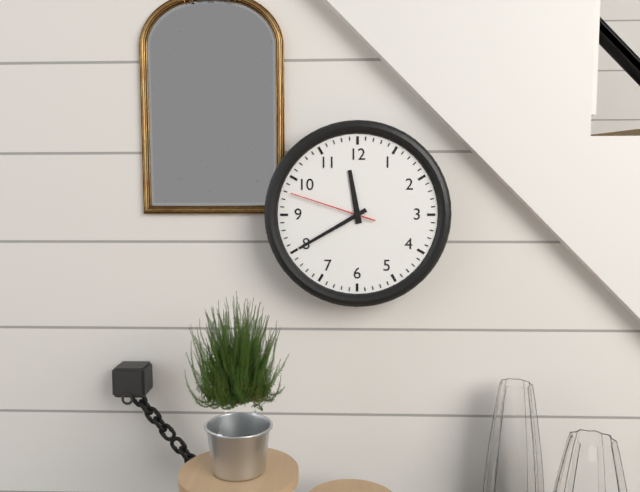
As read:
**11:40:48**
